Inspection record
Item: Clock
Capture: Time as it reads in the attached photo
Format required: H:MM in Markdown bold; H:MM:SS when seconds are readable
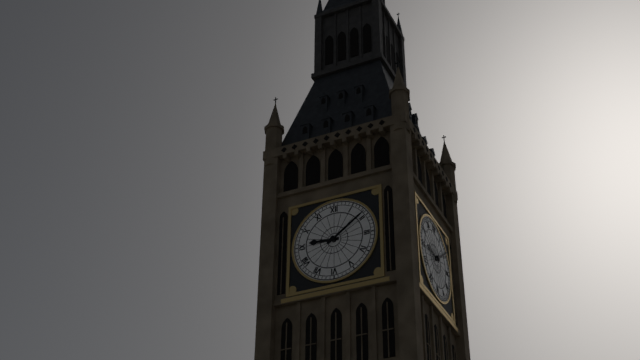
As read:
**9:09**
